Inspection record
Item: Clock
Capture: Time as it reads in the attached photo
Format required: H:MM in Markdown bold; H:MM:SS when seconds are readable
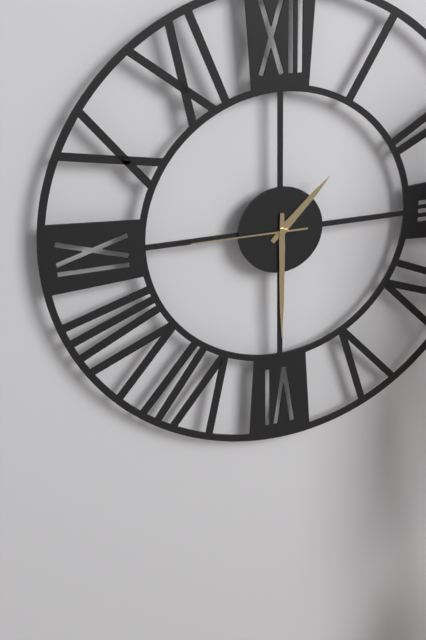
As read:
**1:30:45**
